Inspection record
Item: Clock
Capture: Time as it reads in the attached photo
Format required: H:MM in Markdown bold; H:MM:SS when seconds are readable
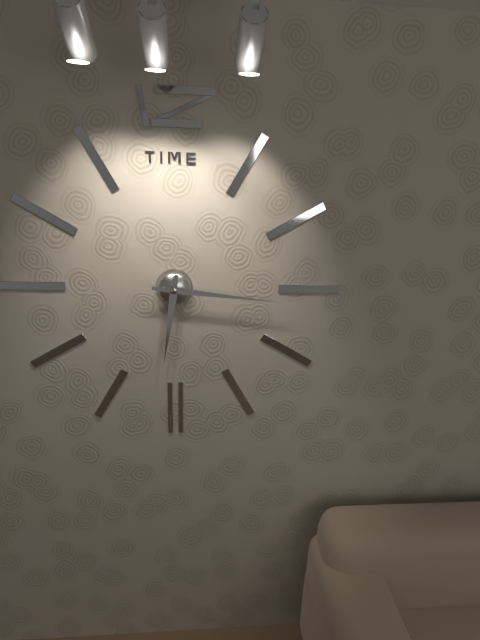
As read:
**6:16**
